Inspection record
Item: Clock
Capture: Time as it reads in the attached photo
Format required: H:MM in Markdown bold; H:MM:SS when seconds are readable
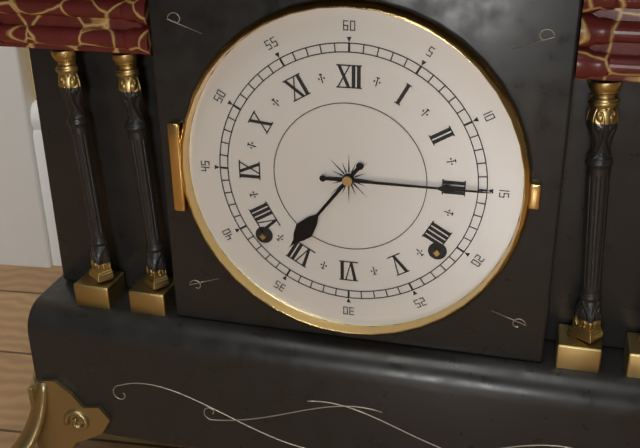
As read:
**7:15**
